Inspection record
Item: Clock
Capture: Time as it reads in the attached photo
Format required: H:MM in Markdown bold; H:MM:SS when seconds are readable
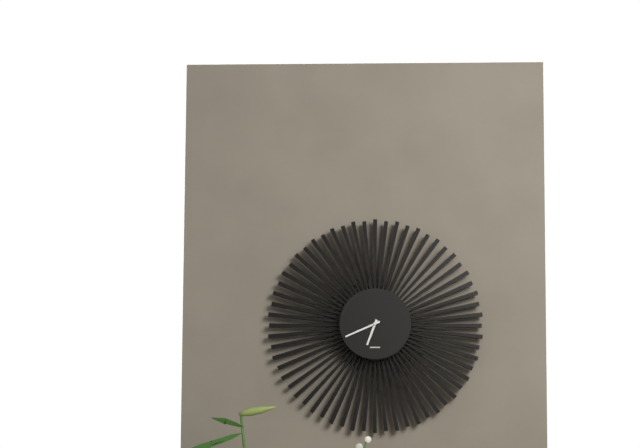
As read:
**6:41**
